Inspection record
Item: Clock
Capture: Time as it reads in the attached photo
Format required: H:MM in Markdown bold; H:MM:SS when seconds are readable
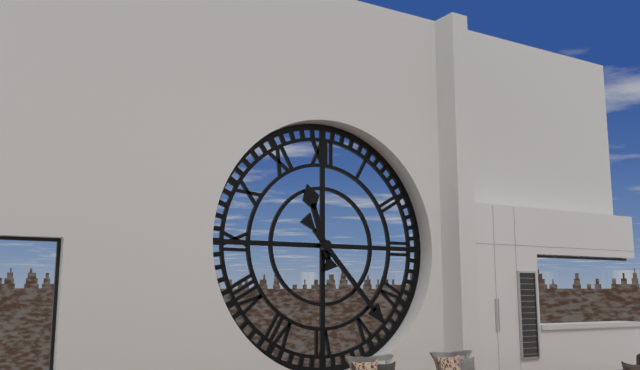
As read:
**11:23**
